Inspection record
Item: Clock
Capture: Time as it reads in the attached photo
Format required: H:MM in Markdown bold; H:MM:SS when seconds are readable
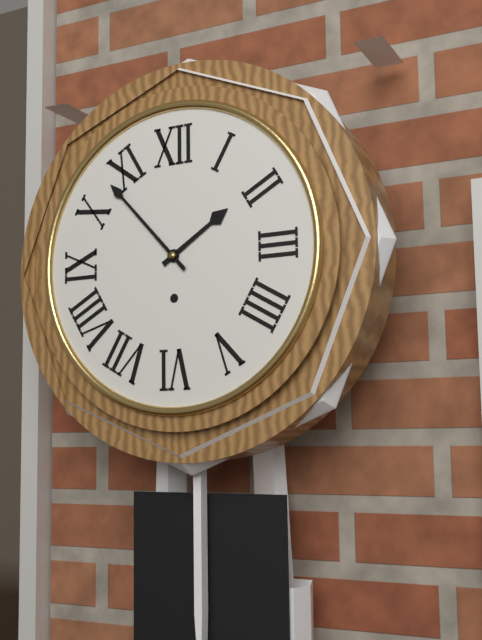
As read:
**1:53**
